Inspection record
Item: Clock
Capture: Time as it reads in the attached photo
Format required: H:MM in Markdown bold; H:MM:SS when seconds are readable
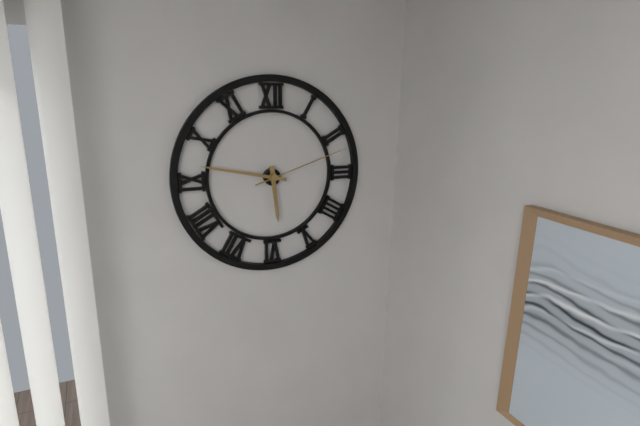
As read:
**5:47:12**
